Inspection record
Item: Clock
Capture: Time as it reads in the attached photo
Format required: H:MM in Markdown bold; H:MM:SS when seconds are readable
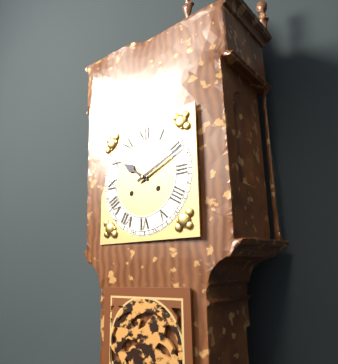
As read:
**10:11**
